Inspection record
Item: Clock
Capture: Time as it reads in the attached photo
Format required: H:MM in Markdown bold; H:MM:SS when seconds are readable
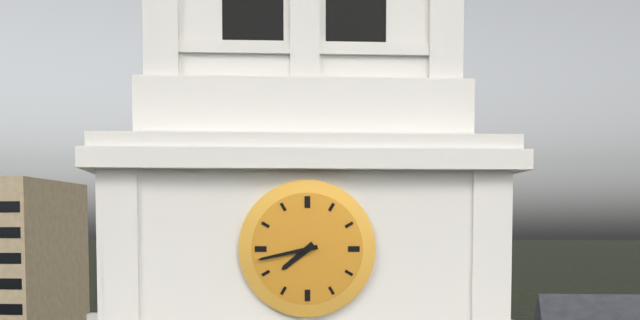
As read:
**7:43**
